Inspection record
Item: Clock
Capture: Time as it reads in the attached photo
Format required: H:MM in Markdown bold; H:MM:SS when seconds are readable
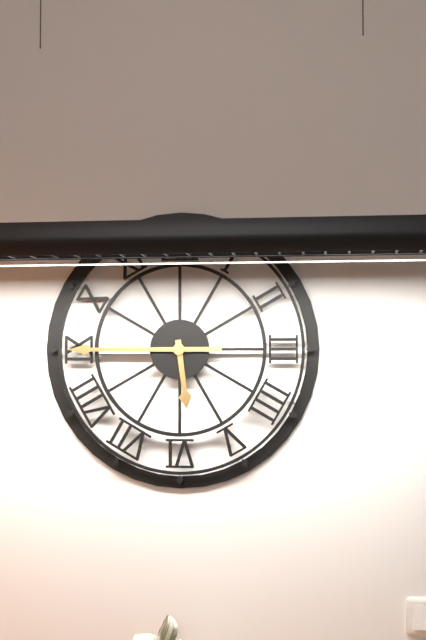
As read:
**5:45**
